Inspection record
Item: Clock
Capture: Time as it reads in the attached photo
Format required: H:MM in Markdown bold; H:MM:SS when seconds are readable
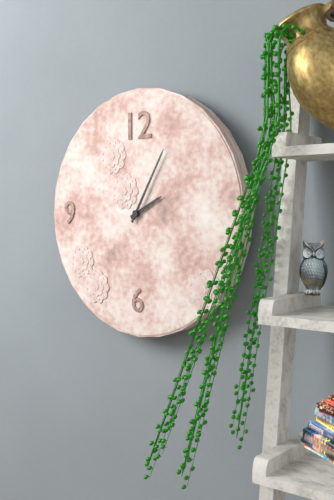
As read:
**2:05**
